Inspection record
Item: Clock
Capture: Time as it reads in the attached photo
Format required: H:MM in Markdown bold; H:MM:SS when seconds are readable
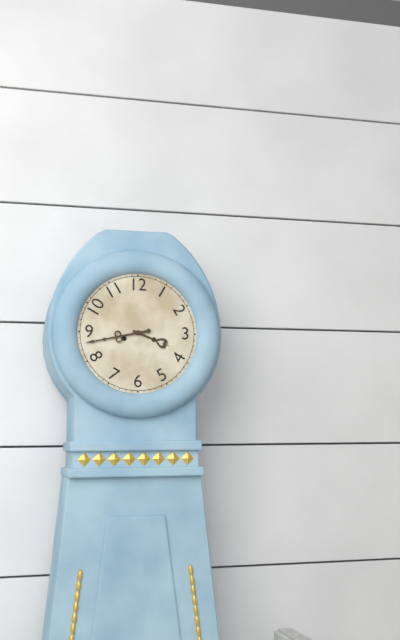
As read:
**3:43**
